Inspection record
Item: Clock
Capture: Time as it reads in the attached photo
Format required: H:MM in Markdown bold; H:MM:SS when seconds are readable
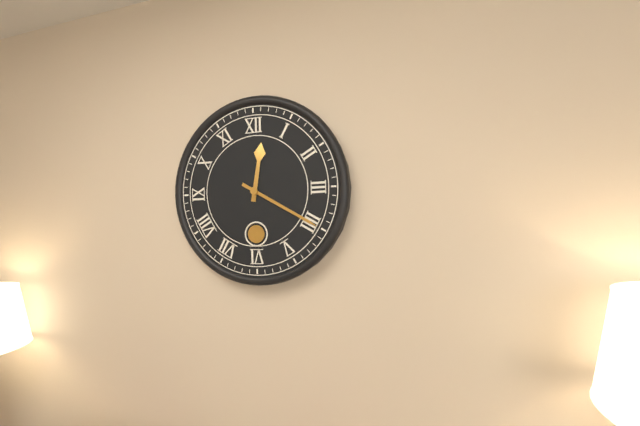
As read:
**12:20**
